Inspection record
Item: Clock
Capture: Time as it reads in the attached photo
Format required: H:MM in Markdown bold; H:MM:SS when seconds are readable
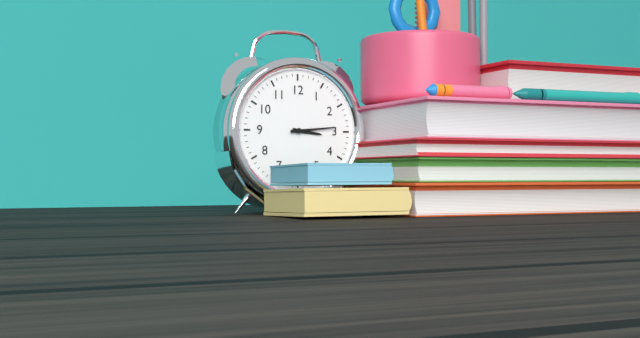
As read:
**3:14**
